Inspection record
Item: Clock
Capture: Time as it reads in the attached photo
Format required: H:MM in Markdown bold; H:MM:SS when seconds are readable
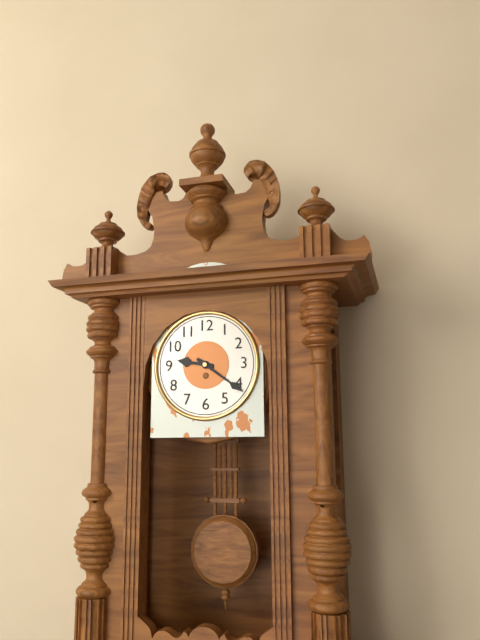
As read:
**9:21**
